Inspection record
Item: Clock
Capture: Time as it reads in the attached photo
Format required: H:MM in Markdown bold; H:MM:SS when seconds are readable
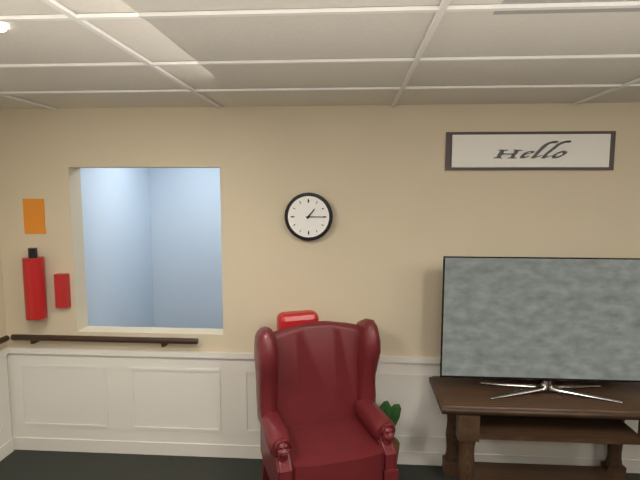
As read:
**1:15**
